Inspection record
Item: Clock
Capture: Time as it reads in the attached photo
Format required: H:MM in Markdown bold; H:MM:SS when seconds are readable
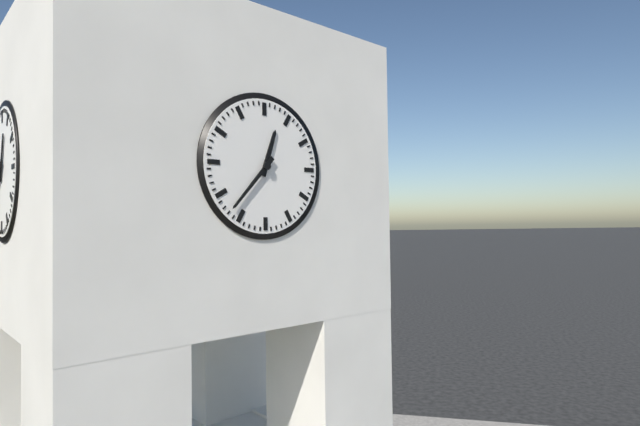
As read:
**12:37**
